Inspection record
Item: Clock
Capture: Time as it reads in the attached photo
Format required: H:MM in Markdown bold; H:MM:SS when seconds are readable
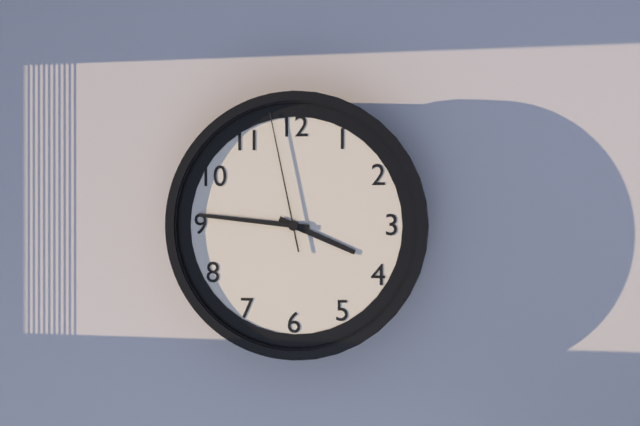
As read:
**3:46:58**
